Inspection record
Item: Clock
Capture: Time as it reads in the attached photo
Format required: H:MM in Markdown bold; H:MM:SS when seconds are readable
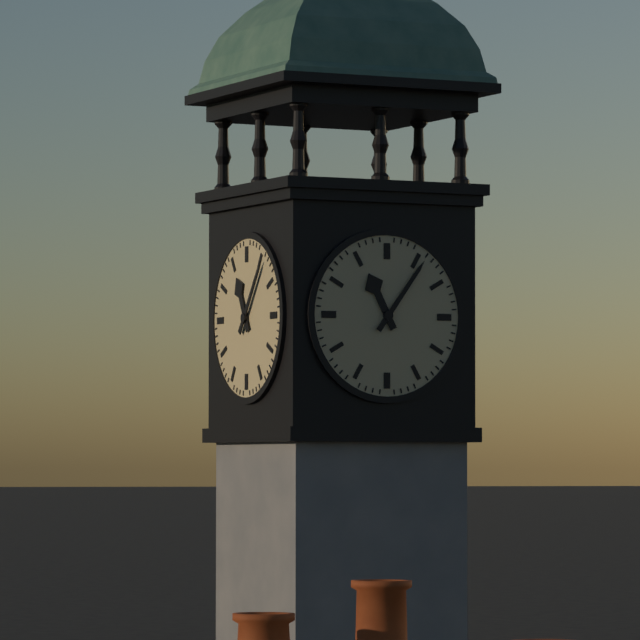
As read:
**11:06**
